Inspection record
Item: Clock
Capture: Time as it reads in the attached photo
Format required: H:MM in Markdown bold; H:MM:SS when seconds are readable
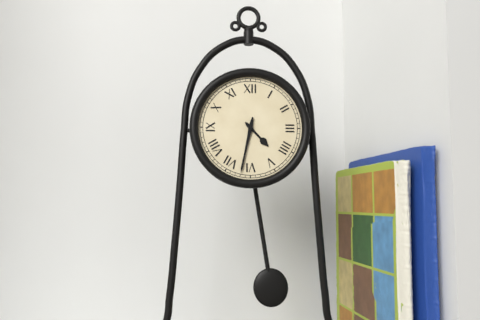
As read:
**4:32**
